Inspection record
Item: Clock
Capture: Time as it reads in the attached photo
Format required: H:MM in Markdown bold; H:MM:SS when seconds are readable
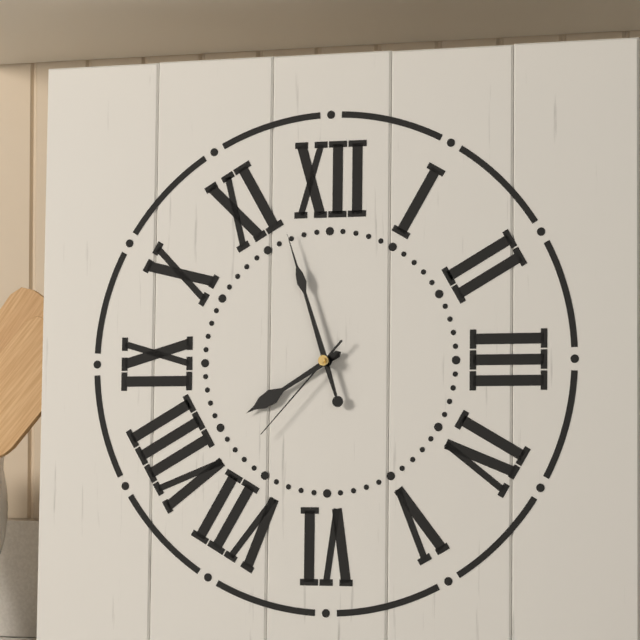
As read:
**7:57:37**
